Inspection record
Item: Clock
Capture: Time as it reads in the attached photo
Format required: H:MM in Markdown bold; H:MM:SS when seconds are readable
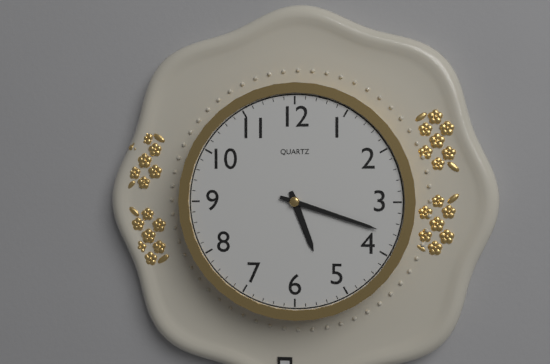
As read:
**5:18**
